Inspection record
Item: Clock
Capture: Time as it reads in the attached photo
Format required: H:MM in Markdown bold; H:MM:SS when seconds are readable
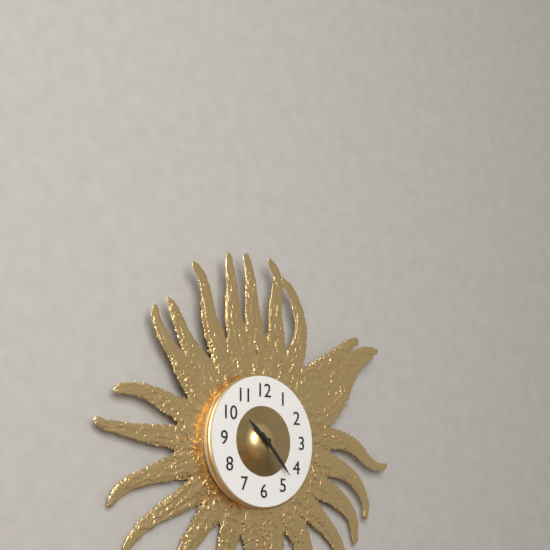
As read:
**10:23**
